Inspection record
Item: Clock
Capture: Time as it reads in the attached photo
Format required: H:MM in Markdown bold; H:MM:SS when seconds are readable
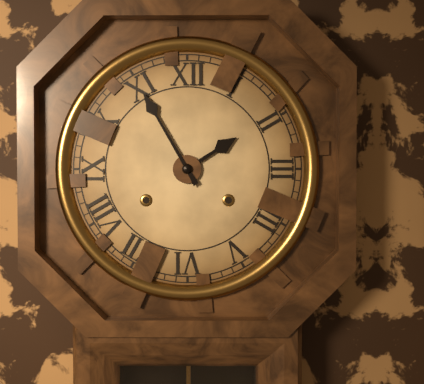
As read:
**1:55**
